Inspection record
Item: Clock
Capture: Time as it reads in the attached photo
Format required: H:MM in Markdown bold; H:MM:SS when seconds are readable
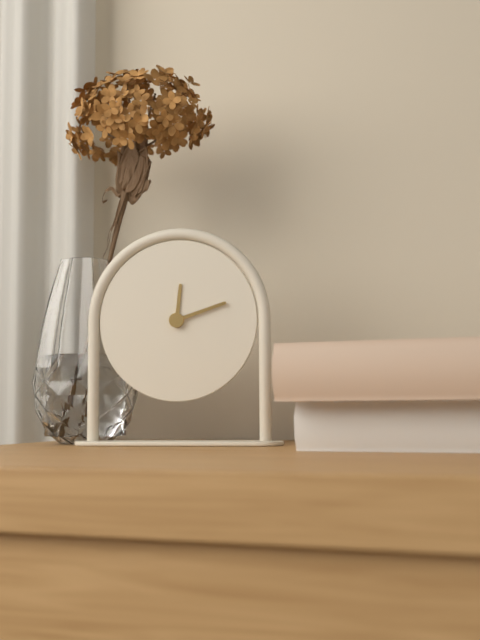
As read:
**12:12**
